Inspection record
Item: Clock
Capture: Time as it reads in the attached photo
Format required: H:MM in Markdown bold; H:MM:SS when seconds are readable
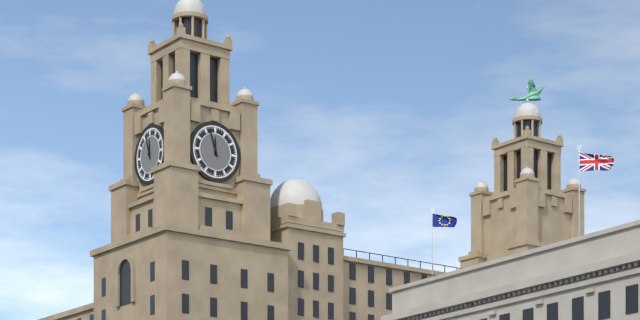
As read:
**11:57**
